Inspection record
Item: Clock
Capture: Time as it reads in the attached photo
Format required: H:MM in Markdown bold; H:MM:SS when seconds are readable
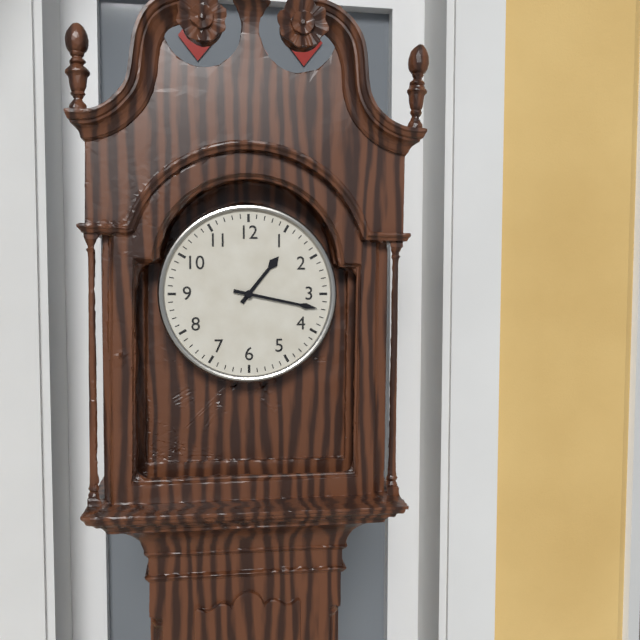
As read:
**1:17**
